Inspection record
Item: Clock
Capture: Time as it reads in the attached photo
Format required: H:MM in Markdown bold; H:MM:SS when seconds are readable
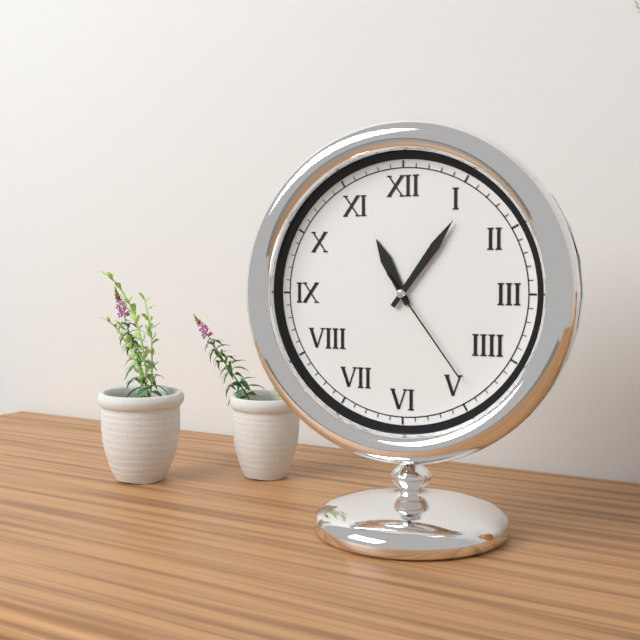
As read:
**11:06:24**
